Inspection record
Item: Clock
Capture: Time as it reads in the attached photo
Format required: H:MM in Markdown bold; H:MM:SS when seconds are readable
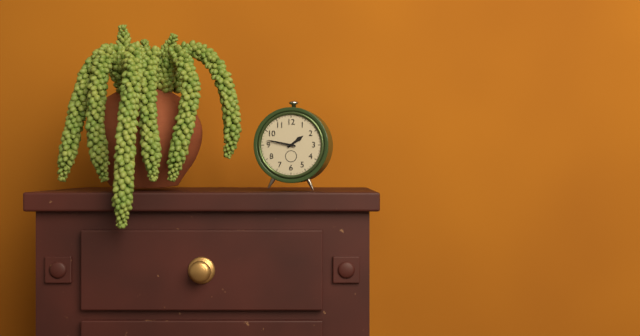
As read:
**1:47**
